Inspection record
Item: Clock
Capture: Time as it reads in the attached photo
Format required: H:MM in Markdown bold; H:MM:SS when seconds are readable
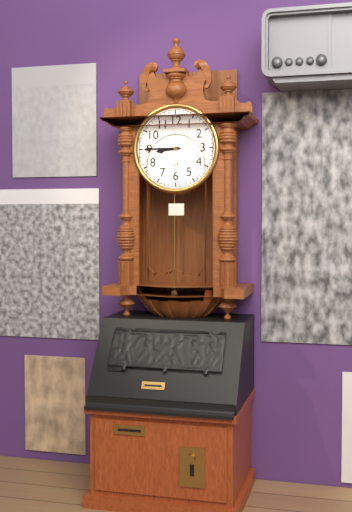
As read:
**8:45**
